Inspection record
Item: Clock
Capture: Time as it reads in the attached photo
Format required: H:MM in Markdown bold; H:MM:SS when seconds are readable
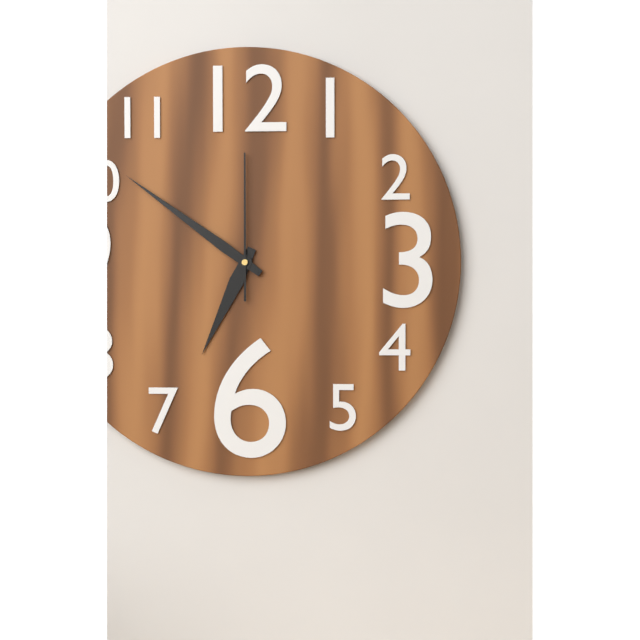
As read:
**6:51:00**
